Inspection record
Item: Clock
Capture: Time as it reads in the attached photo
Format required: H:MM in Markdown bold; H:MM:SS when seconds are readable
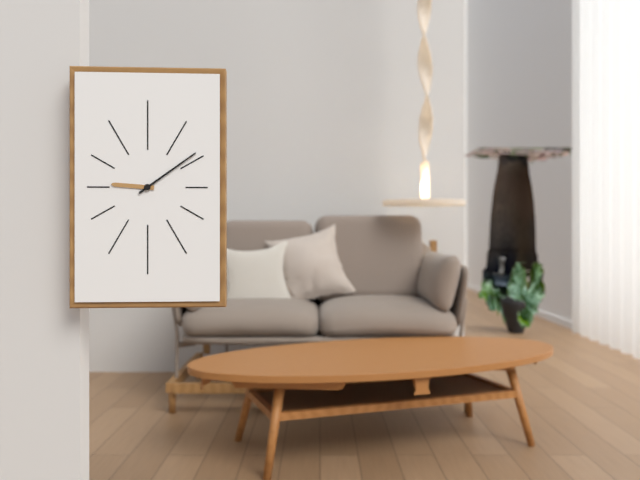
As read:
**9:09**
